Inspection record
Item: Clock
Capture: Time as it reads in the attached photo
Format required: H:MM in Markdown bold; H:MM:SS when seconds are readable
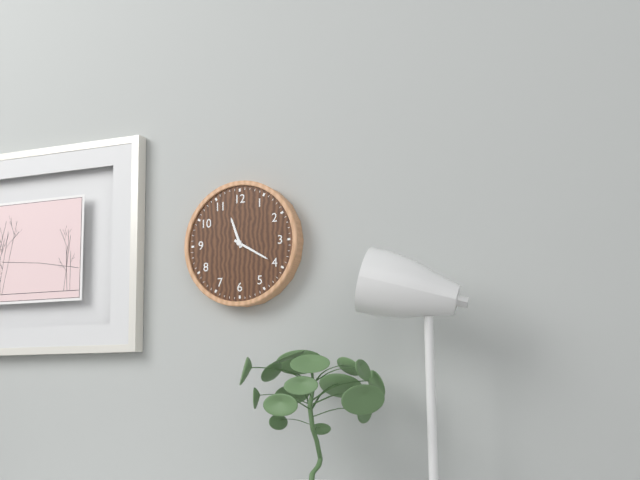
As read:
**11:20**
